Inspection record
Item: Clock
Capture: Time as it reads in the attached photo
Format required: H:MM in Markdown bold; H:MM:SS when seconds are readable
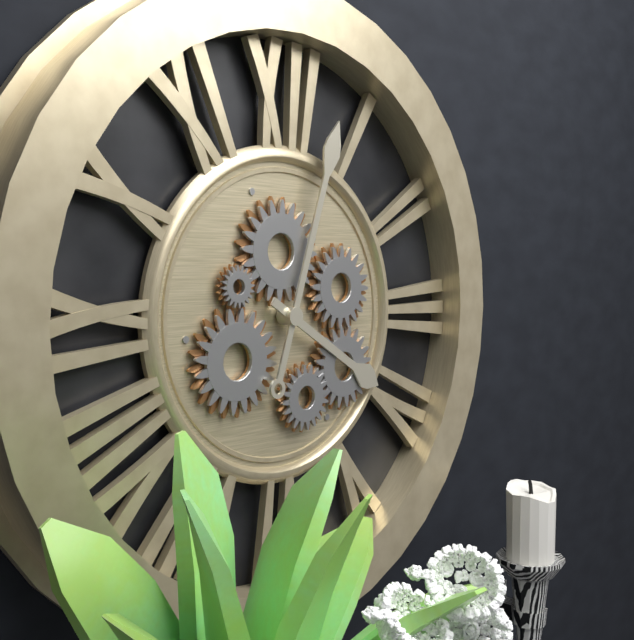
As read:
**4:03**
